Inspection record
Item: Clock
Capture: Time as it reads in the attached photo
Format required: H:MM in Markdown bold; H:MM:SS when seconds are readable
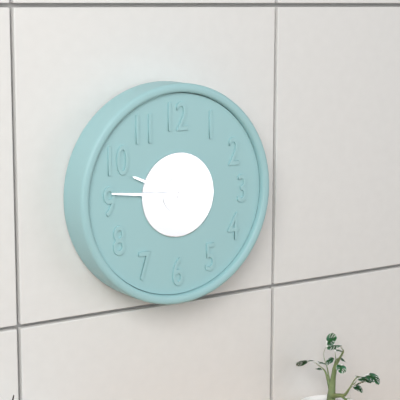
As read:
**9:46**
